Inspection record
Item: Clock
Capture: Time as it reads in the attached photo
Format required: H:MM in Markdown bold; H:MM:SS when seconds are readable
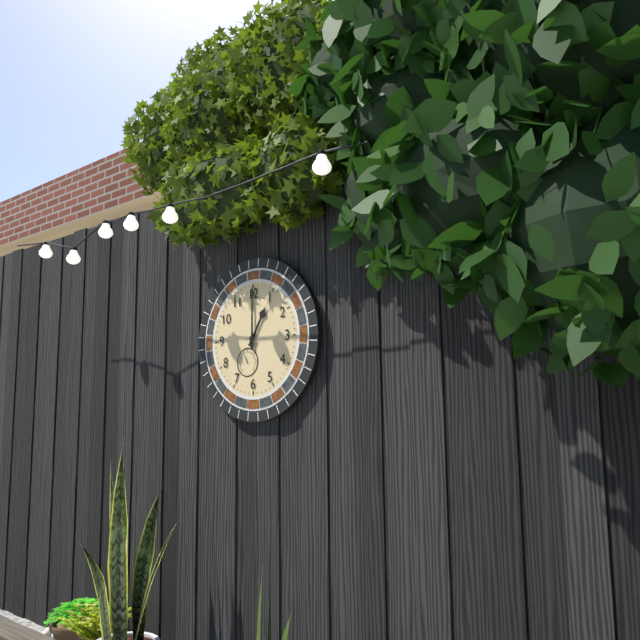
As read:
**1:00**
